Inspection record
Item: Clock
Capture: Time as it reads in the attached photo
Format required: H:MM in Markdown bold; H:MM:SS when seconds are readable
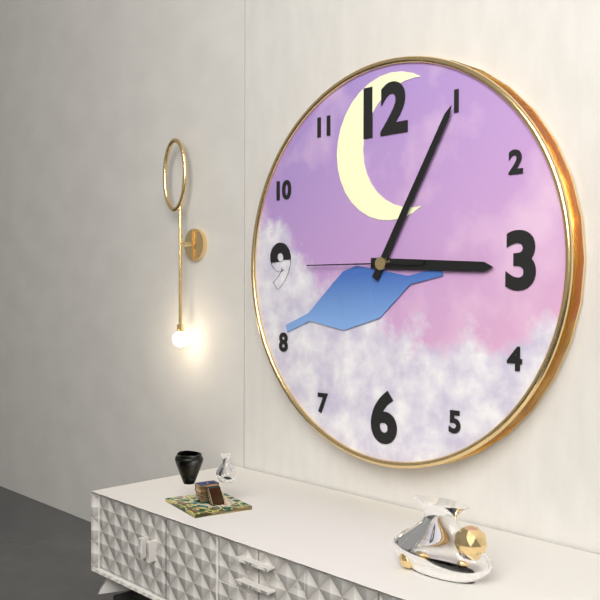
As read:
**3:05:45**
